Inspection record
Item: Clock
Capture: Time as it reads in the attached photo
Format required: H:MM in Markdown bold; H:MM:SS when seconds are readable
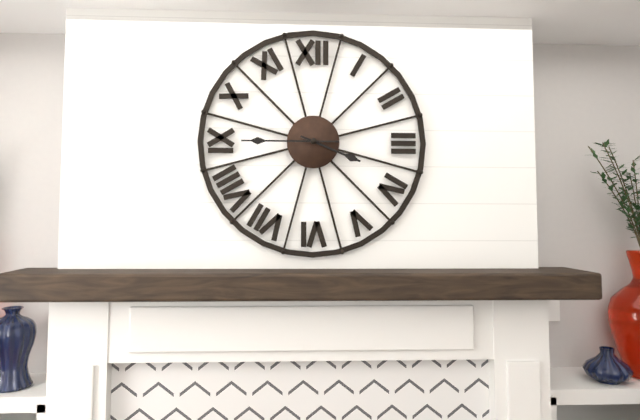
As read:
**3:45**
